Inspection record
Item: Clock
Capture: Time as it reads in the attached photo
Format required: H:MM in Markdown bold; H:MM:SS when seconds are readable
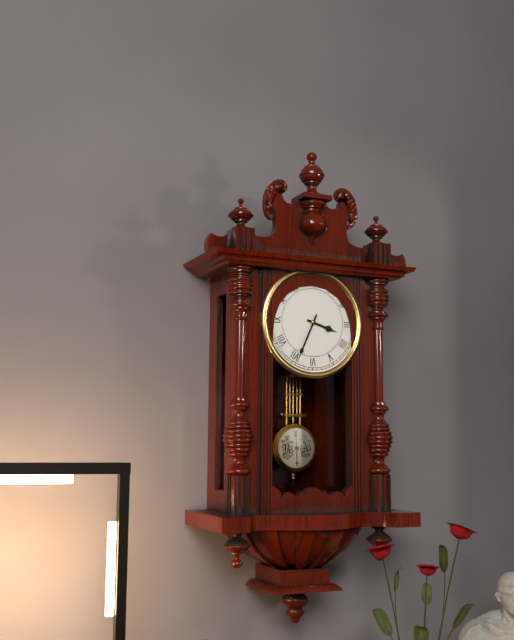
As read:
**3:34**
